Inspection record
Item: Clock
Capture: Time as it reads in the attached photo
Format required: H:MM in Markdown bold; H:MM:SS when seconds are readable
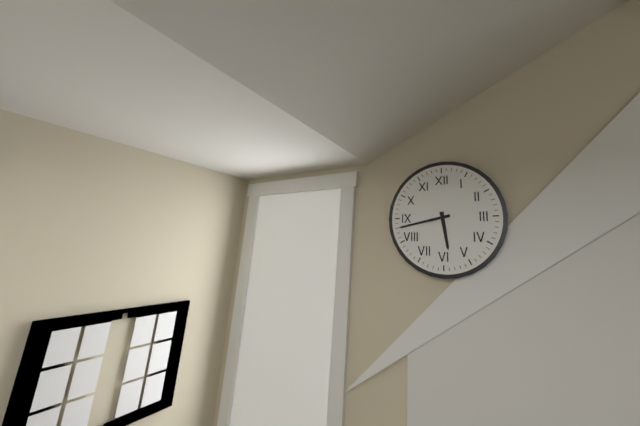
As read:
**5:43**
